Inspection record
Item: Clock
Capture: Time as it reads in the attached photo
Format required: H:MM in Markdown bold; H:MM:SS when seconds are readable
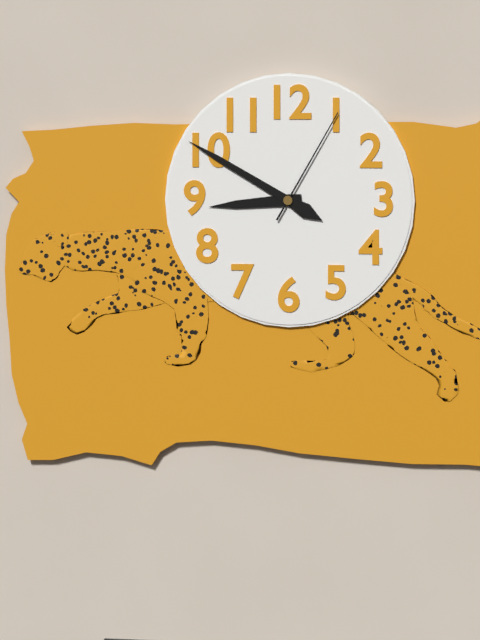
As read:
**8:50:05**
